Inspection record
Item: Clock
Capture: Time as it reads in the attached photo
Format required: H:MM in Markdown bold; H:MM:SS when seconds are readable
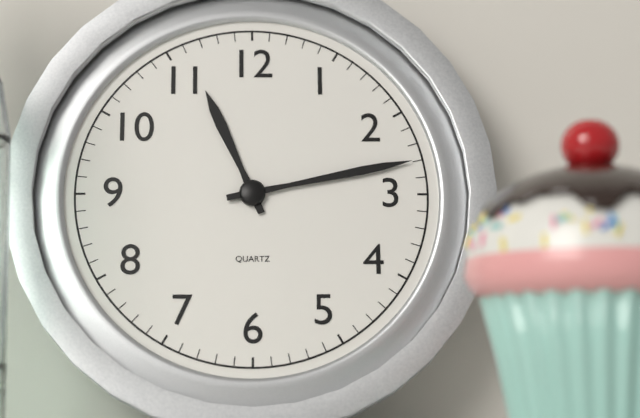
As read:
**11:13**
